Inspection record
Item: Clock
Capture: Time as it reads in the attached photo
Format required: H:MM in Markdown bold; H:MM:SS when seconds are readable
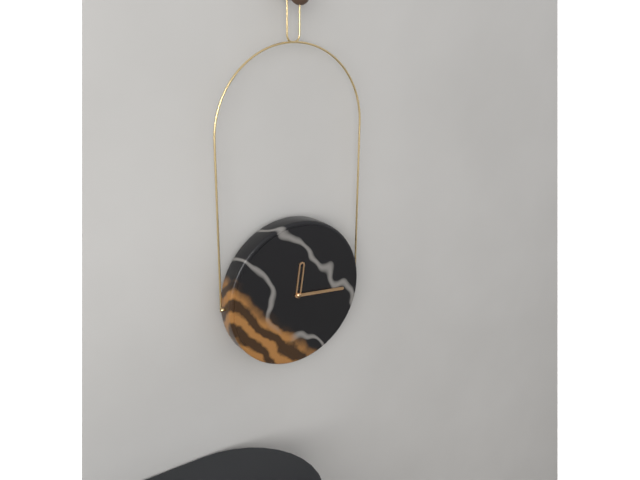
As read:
**12:16**
